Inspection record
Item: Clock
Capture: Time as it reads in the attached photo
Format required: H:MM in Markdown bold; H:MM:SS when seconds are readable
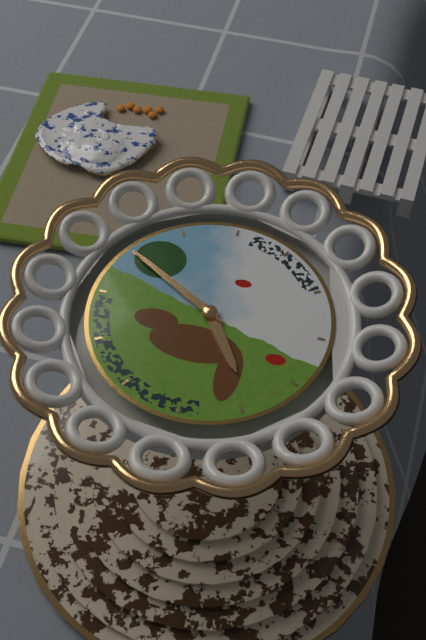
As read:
**4:50**
